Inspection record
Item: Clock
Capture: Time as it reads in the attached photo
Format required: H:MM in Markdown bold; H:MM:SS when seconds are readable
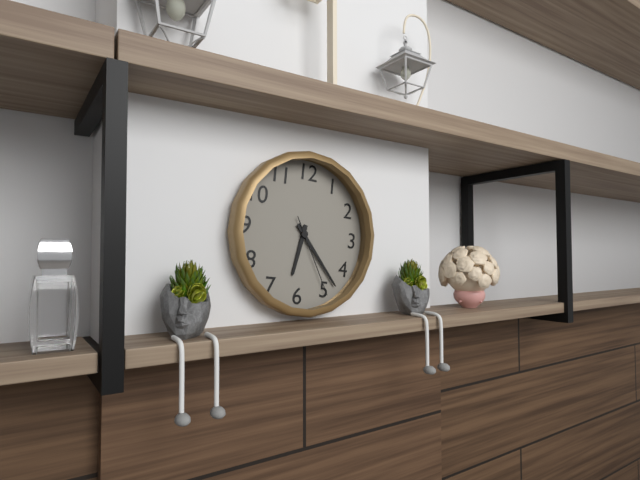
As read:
**6:23:25**
